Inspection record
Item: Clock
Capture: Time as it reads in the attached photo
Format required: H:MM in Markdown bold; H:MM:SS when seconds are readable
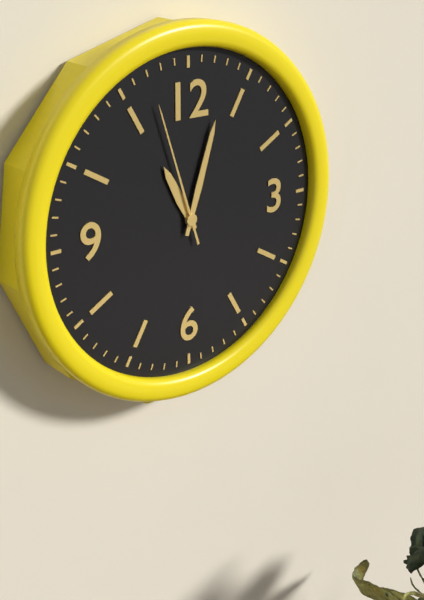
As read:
**11:03:57**
